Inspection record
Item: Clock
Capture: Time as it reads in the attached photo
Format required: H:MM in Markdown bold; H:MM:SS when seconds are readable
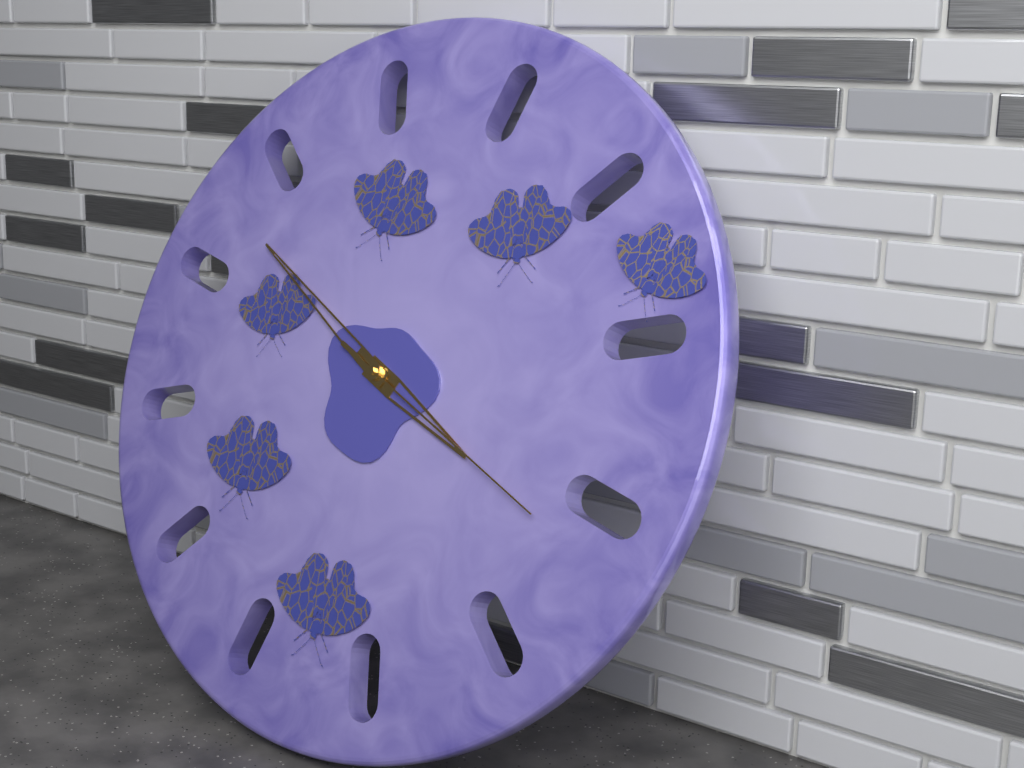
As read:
**3:50:19**
